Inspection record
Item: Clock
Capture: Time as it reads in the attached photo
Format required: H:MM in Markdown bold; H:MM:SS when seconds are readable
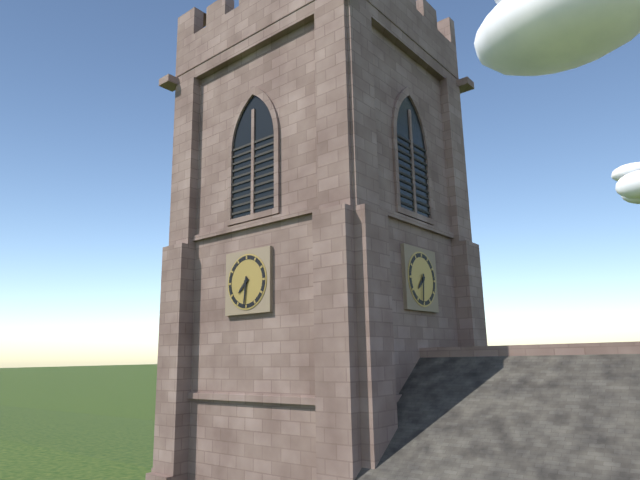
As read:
**7:31**
